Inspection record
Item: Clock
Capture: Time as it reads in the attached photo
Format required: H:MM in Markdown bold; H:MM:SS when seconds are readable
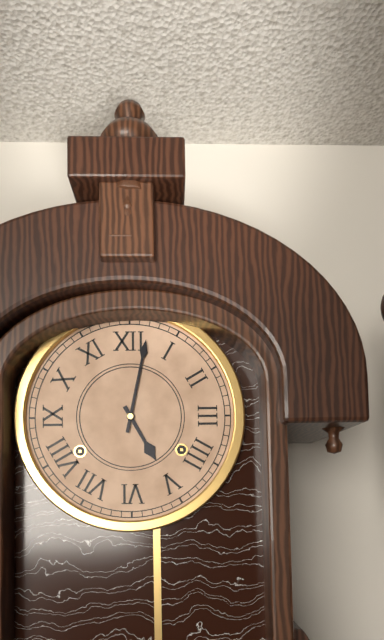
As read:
**5:02**
